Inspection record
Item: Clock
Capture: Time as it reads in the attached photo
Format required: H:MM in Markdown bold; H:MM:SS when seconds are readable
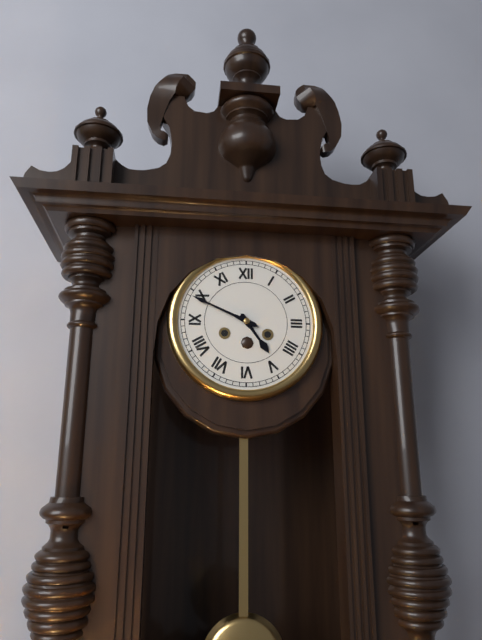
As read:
**4:49**
